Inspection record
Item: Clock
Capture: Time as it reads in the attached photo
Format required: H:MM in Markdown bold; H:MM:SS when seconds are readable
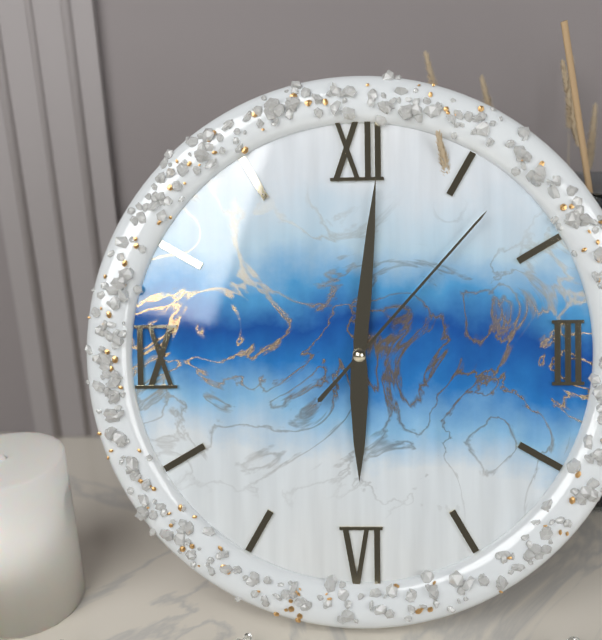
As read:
**6:01:07**
